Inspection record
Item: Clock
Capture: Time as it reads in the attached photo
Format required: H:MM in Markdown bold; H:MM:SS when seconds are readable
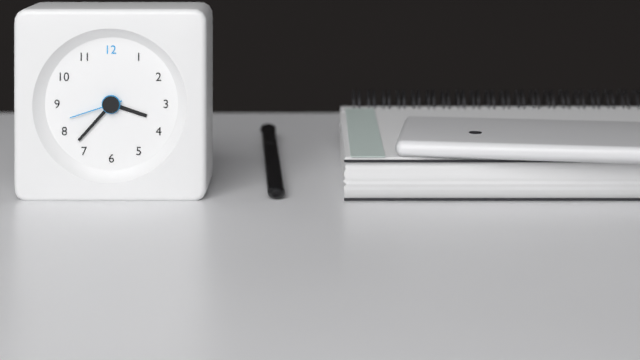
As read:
**3:37:42**
